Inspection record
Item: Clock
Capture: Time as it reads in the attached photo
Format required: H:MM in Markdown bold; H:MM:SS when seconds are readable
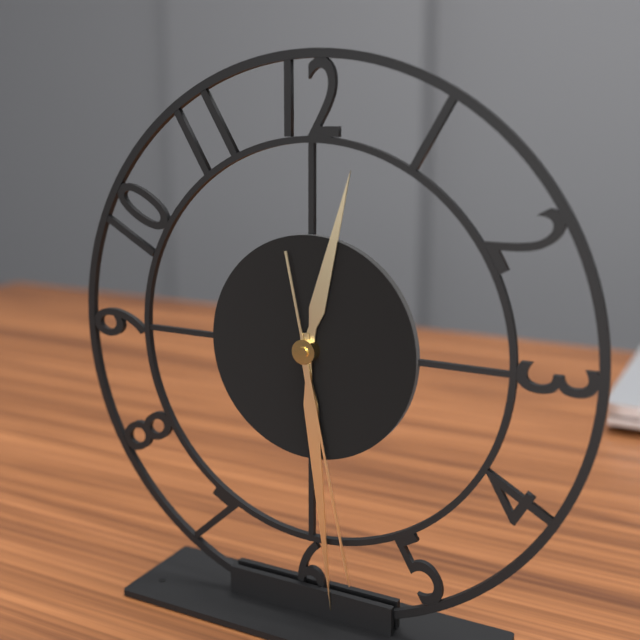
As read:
**12:29:28**
